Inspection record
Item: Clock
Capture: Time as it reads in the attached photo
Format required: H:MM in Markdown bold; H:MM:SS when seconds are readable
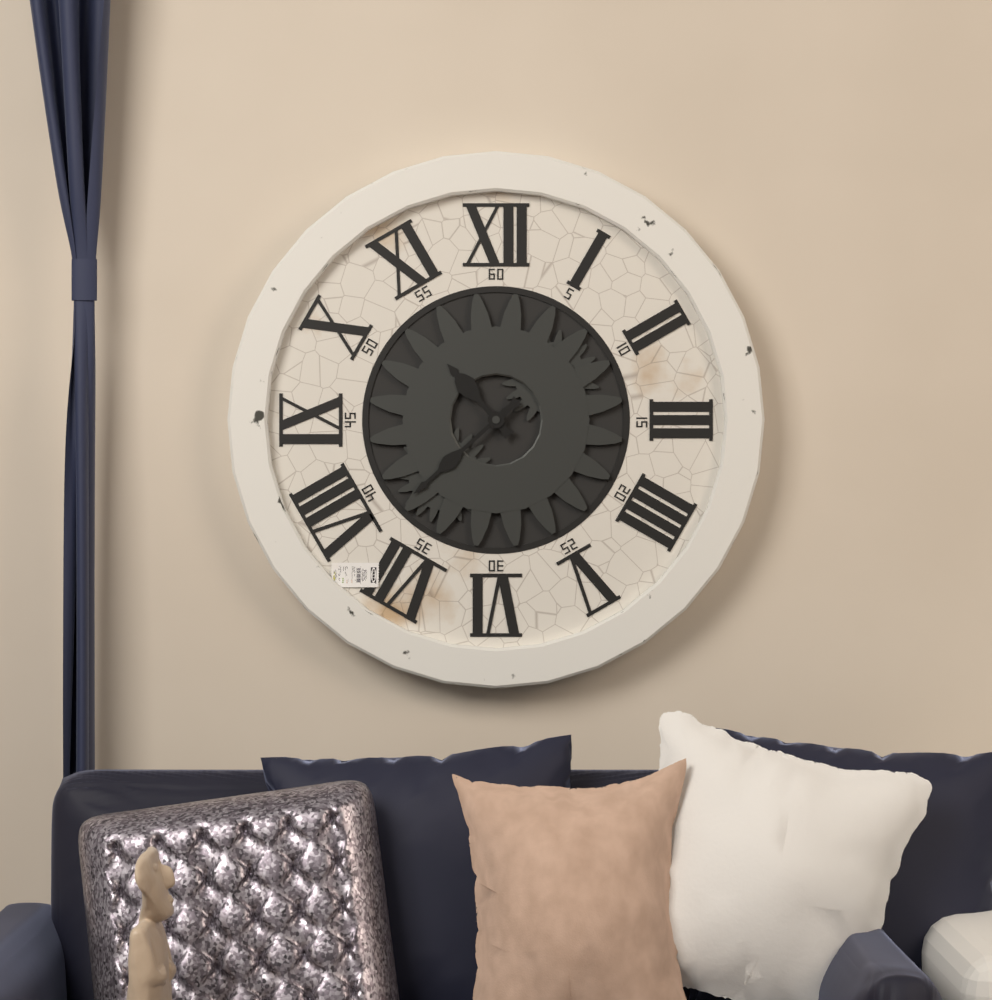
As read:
**10:38**
